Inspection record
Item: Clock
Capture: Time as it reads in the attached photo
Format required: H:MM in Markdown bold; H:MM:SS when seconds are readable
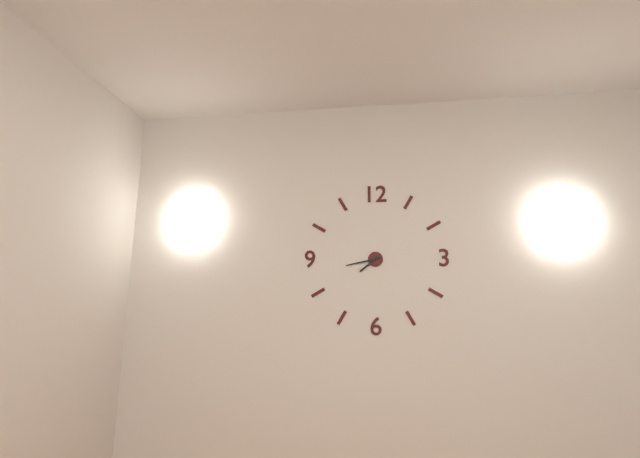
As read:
**7:43**
